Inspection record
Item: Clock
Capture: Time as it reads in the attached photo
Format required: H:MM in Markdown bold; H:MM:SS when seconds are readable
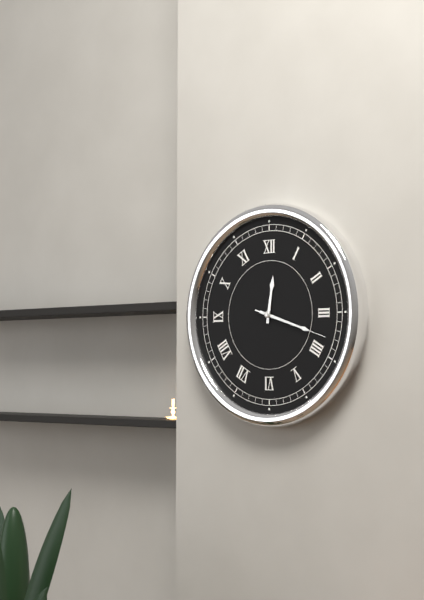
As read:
**12:18:18**
